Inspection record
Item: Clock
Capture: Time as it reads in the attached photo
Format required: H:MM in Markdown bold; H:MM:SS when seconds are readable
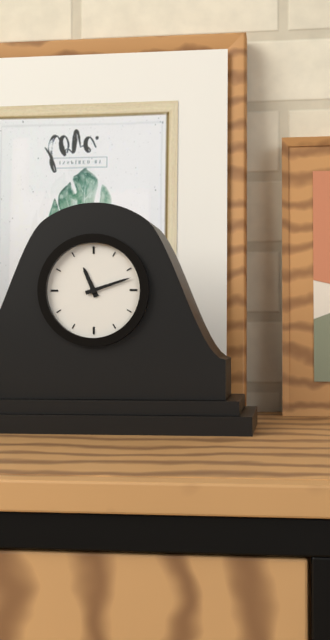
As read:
**11:12**
